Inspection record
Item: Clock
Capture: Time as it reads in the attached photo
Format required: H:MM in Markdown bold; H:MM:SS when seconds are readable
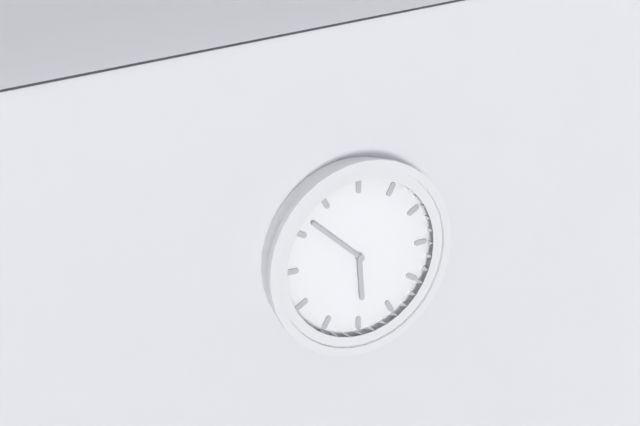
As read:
**5:52**
